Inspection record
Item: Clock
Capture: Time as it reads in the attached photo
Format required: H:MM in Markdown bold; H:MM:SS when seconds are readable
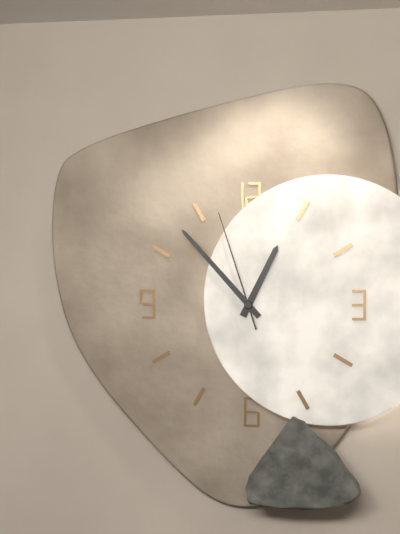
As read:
**12:53:57**
